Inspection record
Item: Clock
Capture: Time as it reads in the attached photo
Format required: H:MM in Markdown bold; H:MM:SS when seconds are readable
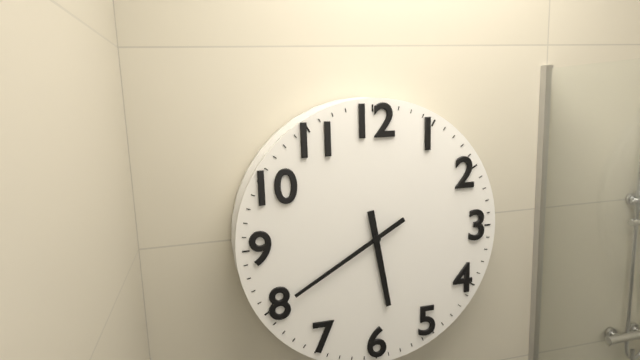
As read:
**5:40**
